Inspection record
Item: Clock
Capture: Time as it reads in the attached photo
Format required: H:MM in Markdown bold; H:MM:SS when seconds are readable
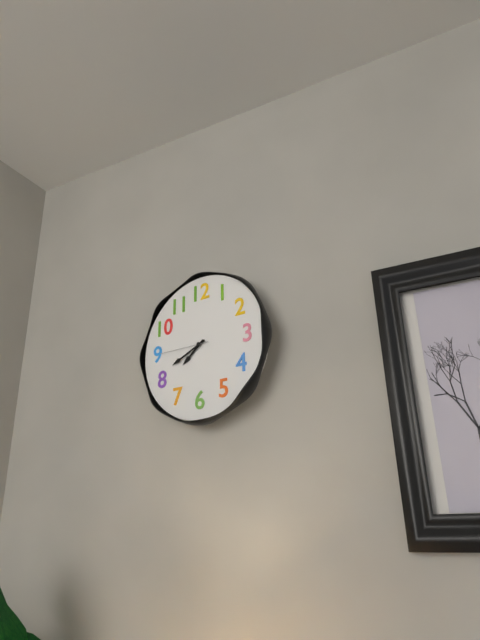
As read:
**7:41**
